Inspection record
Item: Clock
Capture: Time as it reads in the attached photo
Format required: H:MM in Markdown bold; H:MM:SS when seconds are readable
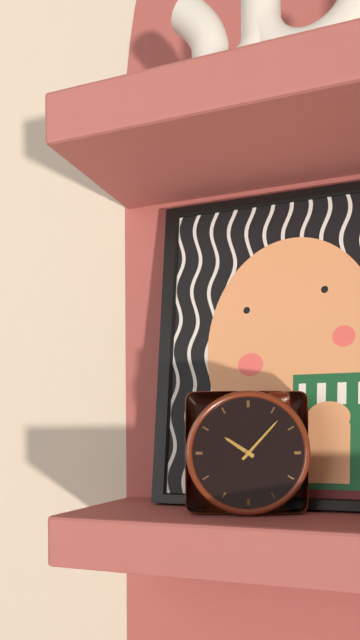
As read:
**10:07**
